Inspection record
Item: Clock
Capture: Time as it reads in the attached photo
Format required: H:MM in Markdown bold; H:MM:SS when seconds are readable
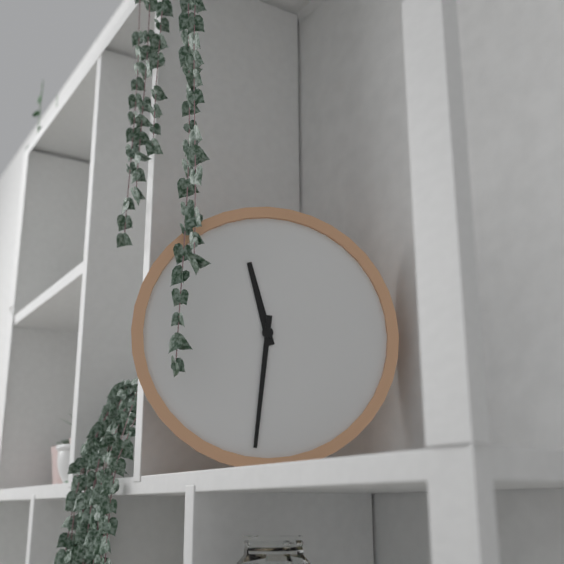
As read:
**11:31**
